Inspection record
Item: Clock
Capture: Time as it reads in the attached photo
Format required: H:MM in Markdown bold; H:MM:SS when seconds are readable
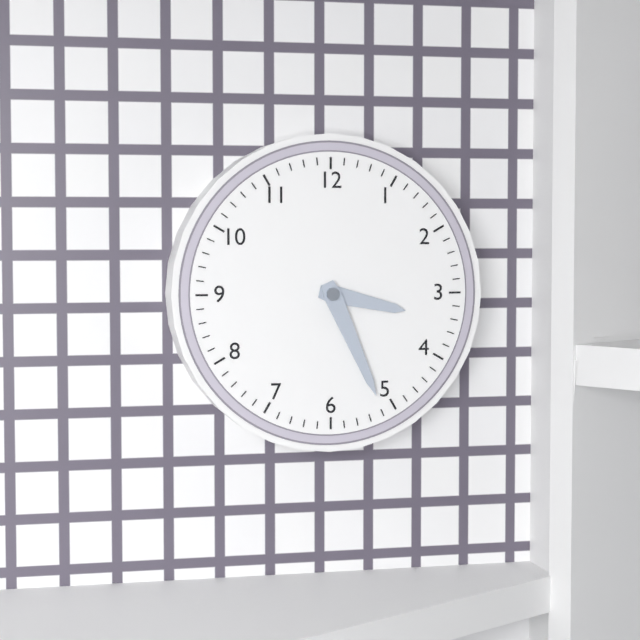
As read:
**3:26**
